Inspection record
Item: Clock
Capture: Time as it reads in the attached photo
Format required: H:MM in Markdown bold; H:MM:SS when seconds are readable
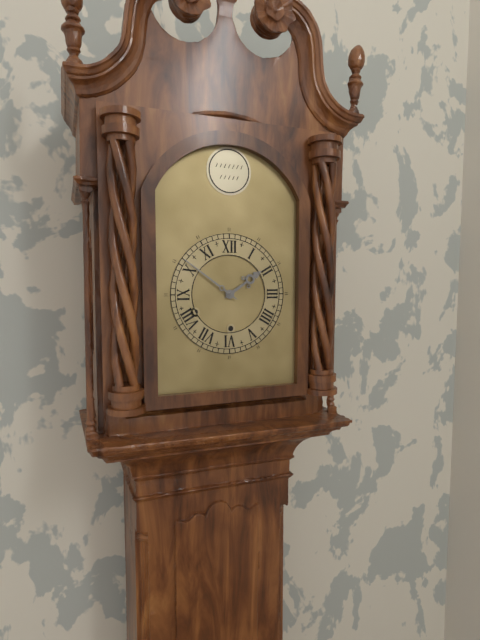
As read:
**1:51**
